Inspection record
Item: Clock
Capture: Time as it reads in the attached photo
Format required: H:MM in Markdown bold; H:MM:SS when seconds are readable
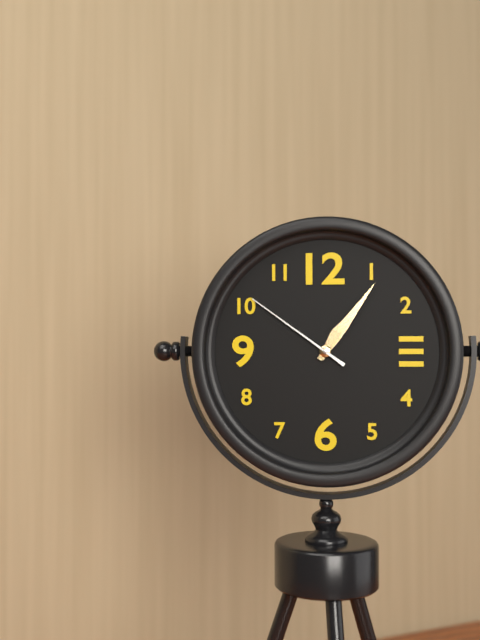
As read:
**1:06:51**
